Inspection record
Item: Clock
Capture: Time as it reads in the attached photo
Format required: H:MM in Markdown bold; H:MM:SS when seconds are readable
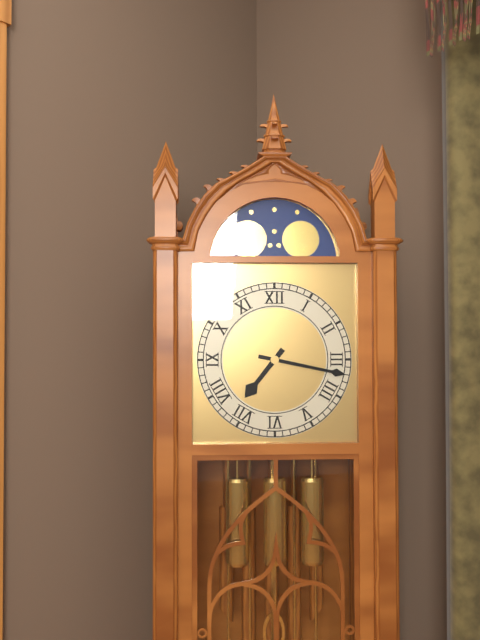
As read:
**7:17**
